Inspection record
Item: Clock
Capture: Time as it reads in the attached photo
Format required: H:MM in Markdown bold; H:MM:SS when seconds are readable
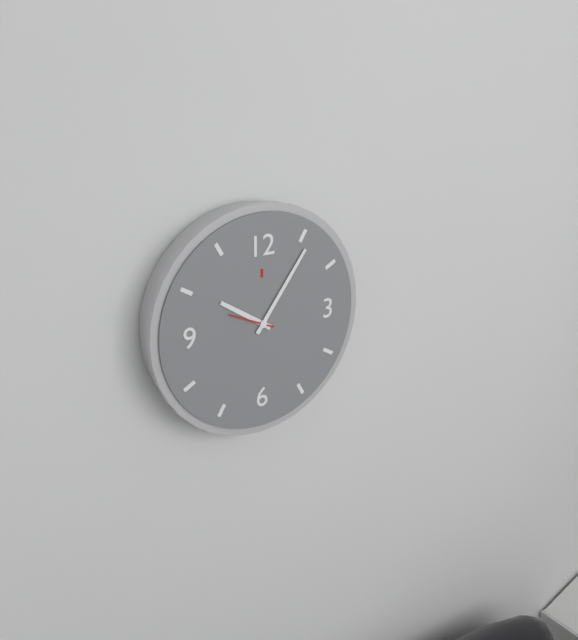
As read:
**10:06**
